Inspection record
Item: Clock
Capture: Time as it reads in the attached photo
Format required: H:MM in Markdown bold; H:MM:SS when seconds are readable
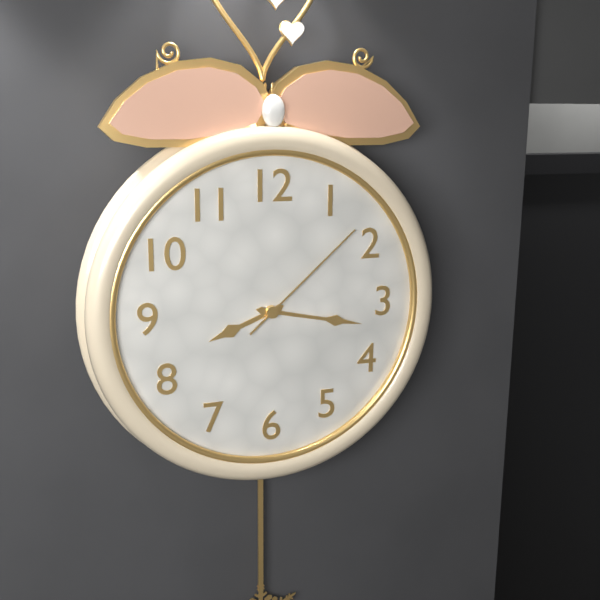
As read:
**8:17:08**
